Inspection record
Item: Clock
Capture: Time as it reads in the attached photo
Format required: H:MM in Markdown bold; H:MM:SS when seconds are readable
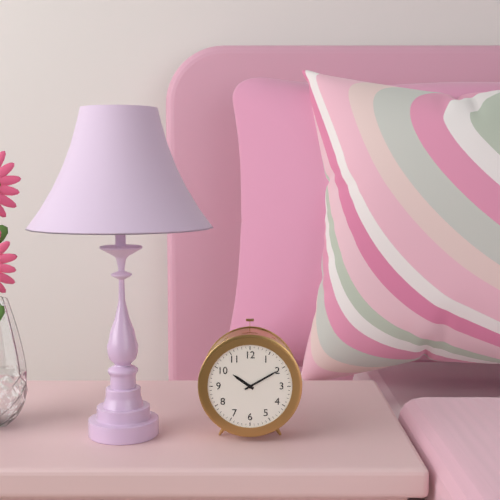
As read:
**10:10**
